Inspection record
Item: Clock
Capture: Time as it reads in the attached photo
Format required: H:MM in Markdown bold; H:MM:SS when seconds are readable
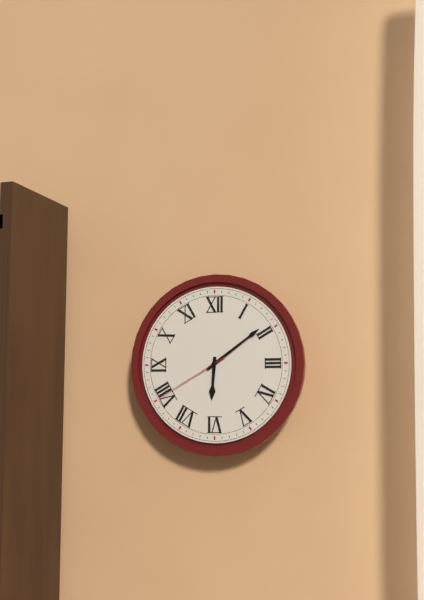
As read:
**6:09:40**
